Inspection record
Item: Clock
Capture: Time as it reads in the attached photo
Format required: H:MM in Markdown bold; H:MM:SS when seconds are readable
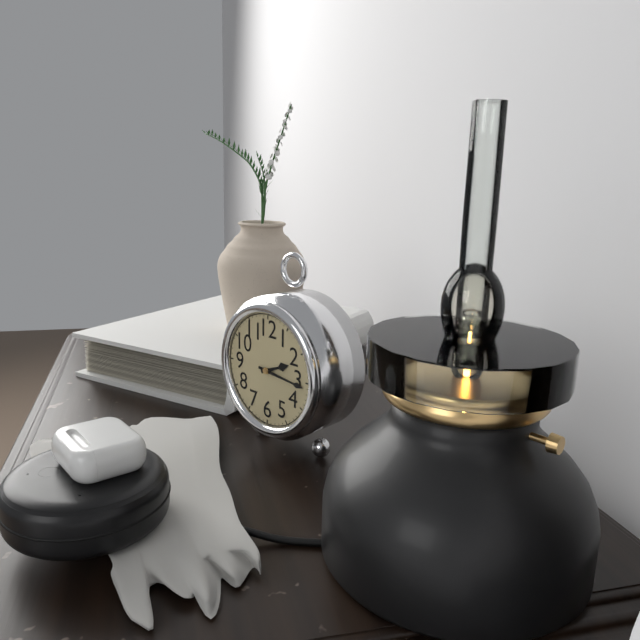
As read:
**2:16**
